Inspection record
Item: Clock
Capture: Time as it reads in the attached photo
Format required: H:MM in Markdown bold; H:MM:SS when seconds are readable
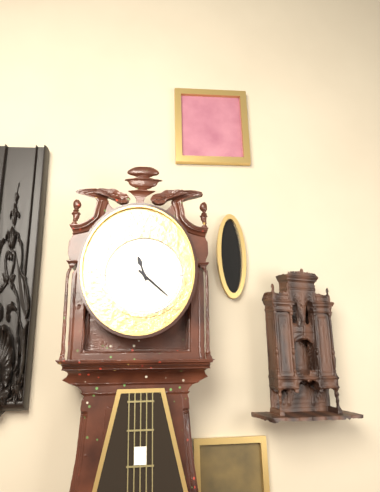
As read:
**11:22**
